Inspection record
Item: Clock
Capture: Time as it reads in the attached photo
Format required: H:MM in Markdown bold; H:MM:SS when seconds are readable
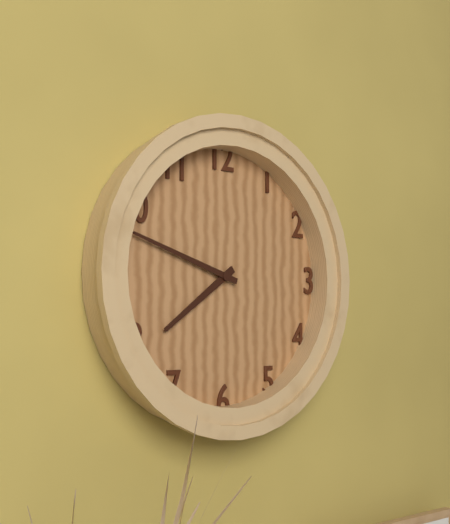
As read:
**7:48**
